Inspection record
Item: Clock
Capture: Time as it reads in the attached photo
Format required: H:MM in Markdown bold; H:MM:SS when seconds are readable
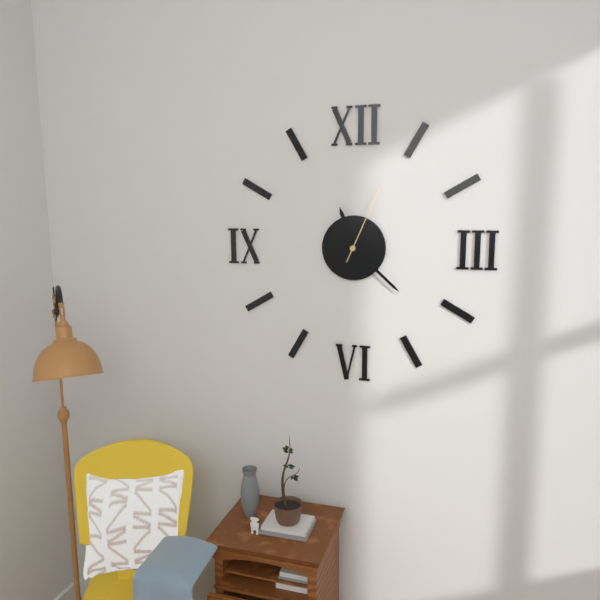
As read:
**11:22:04**
